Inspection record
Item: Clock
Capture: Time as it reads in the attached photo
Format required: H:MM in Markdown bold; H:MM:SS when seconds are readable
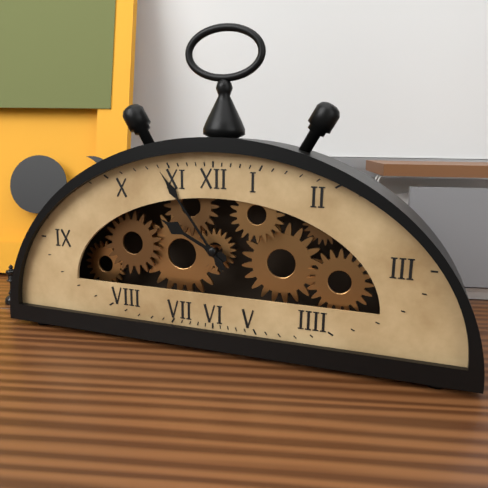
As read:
**9:54**
